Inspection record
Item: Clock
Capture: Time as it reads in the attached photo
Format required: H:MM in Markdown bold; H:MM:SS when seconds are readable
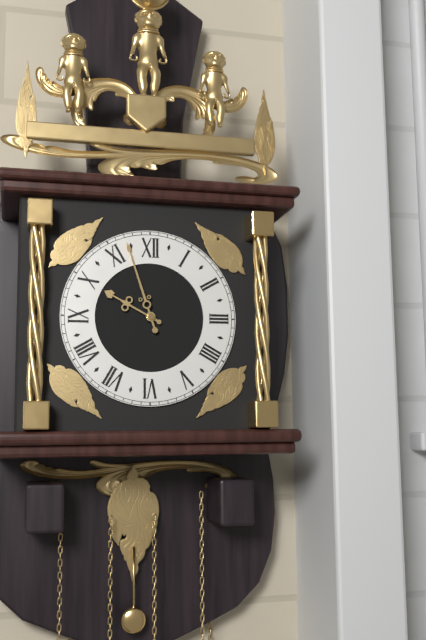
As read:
**9:57**
